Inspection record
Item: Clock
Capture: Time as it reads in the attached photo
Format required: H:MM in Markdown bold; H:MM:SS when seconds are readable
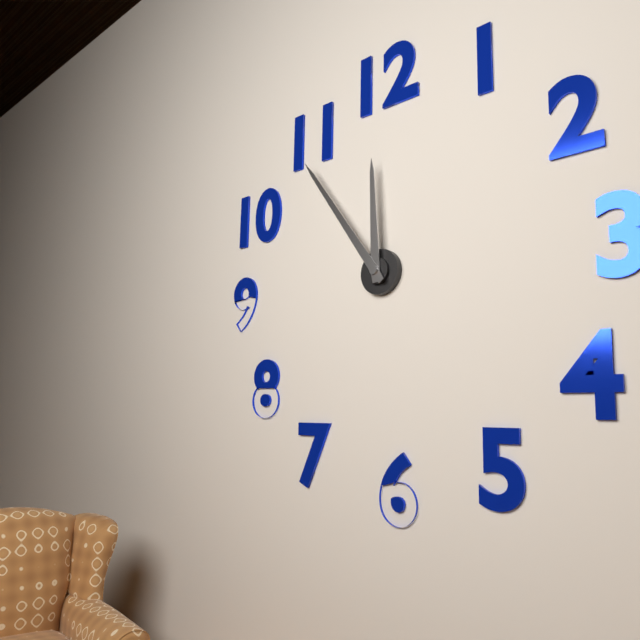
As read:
**11:54**
